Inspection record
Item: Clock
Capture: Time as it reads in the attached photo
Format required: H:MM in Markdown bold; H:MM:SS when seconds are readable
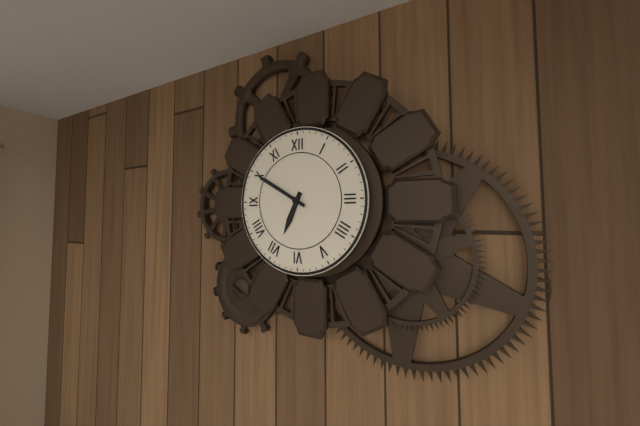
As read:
**6:50**
